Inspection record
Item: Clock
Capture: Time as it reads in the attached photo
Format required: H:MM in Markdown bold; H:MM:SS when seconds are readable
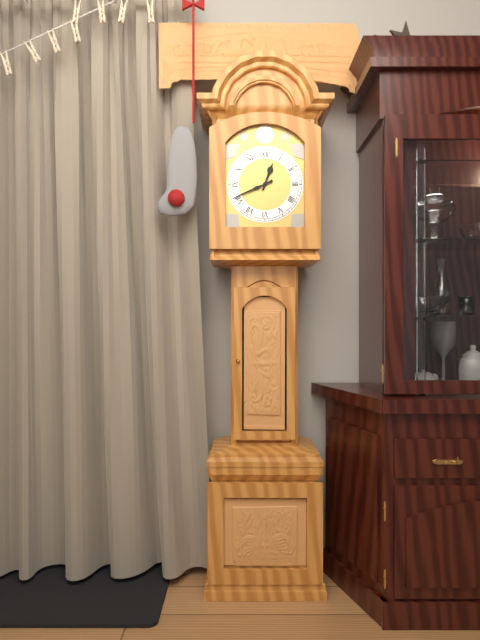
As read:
**12:41**
